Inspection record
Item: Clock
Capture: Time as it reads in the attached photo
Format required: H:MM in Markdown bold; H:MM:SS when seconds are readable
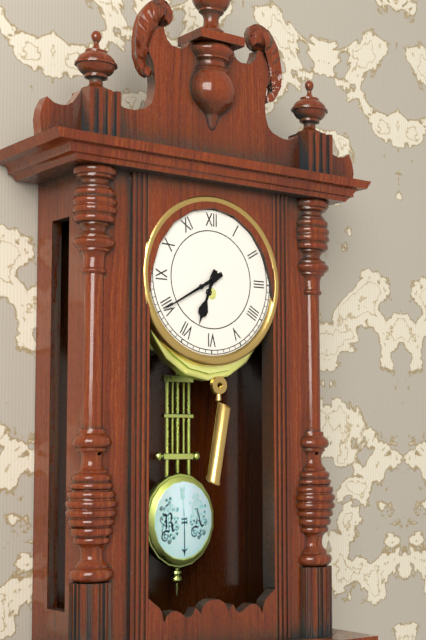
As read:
**6:40**
